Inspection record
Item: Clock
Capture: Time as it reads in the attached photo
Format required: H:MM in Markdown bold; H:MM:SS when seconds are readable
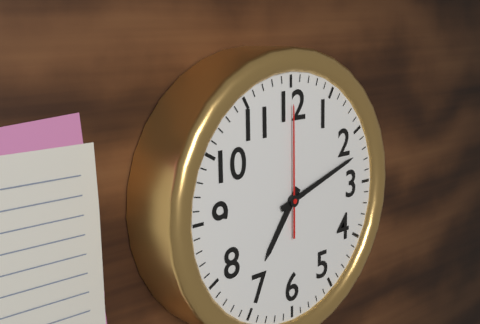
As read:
**7:12:00**
